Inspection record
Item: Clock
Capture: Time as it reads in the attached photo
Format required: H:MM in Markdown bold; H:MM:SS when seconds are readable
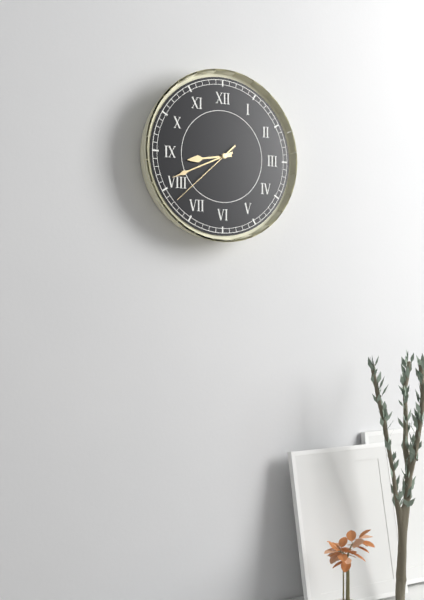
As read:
**8:41:38**
